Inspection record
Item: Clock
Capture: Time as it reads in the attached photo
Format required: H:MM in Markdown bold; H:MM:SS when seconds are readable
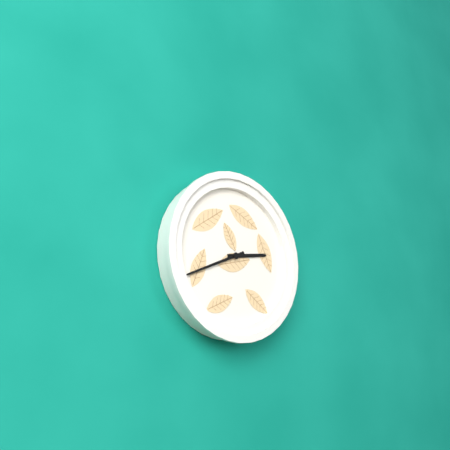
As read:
**2:41**
